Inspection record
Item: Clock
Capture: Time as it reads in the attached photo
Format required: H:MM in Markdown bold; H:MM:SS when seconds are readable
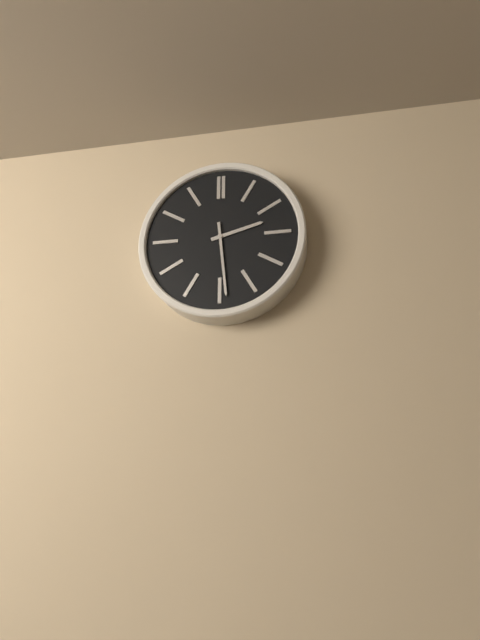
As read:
**2:29**
